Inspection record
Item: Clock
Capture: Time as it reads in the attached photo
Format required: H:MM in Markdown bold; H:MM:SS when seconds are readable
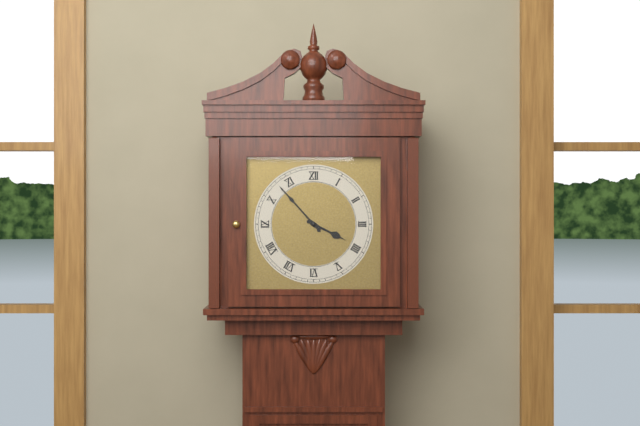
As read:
**3:53**
